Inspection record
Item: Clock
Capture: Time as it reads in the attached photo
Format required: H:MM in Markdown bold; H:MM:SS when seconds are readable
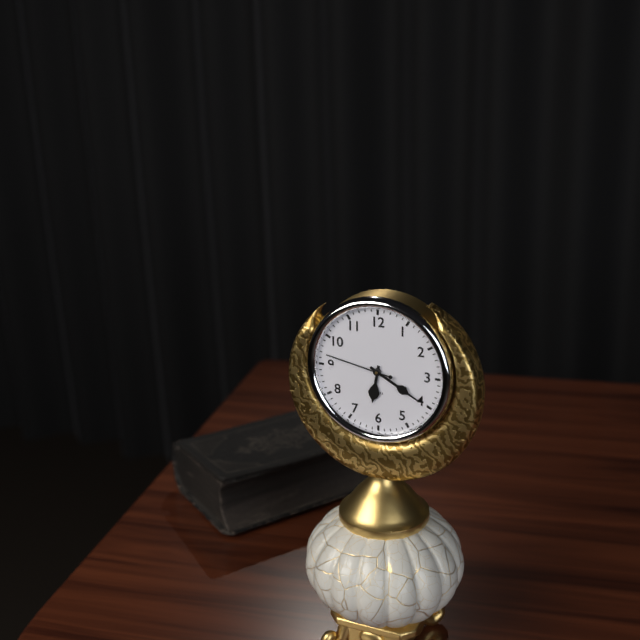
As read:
**6:20:47**
